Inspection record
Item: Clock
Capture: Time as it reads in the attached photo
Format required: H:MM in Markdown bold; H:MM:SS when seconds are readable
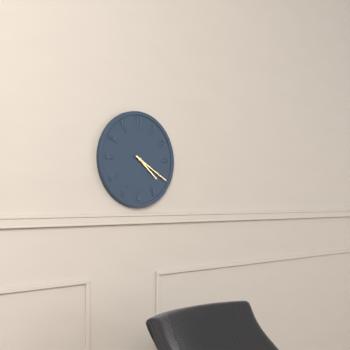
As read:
**4:20**
